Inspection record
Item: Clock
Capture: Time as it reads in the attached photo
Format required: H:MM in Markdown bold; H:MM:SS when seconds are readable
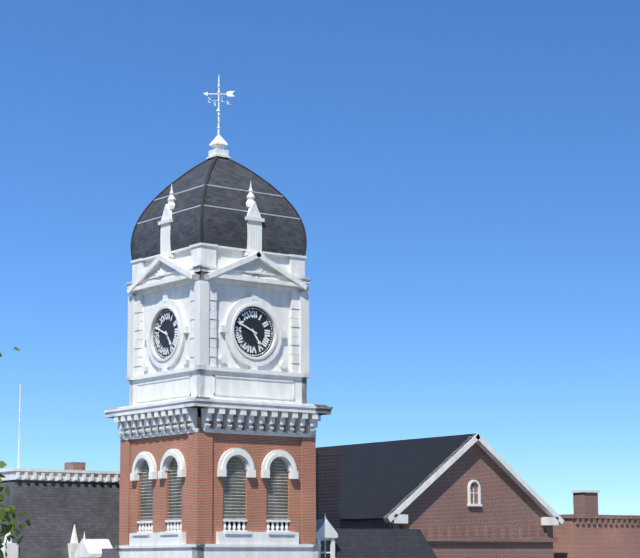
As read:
**4:49**
